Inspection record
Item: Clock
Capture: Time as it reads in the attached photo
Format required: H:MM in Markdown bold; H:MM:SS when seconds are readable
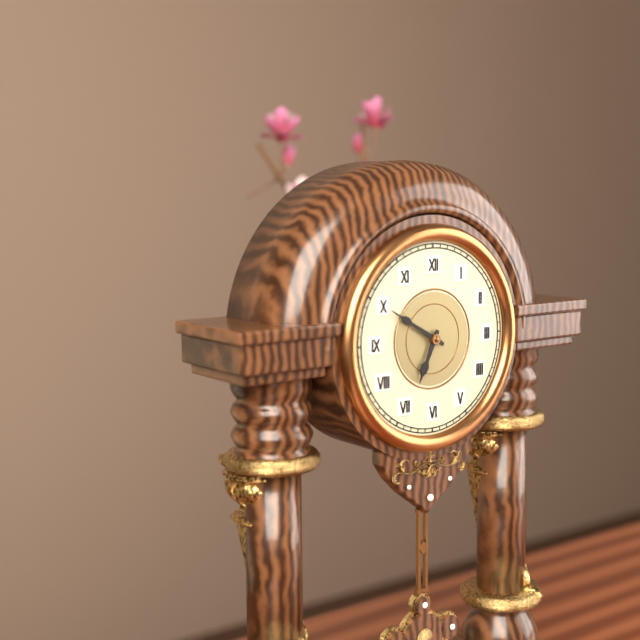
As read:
**6:50**
